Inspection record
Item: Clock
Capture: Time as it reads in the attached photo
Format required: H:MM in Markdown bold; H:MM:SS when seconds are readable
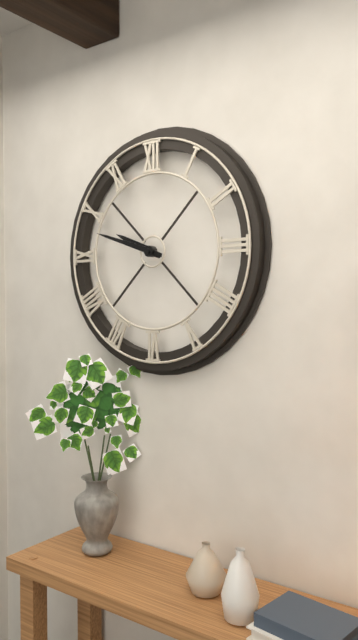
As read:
**9:48**
